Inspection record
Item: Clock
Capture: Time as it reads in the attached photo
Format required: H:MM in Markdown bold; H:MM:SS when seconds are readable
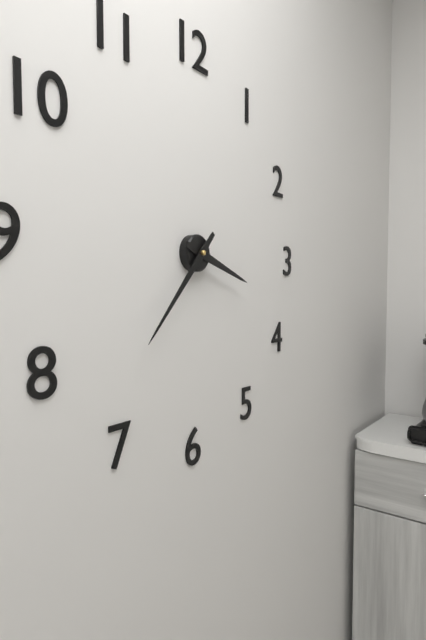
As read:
**3:37**
